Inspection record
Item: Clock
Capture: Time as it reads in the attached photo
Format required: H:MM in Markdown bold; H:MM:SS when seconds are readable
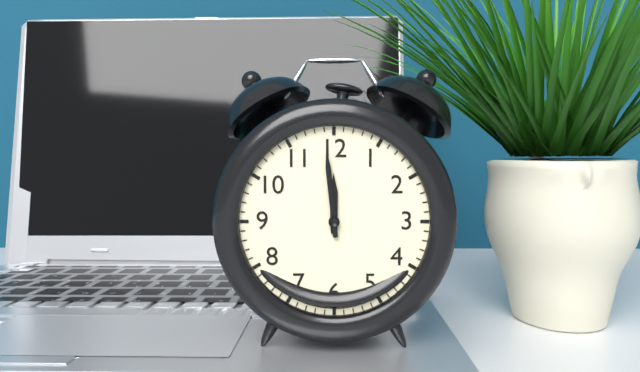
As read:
**11:59**
